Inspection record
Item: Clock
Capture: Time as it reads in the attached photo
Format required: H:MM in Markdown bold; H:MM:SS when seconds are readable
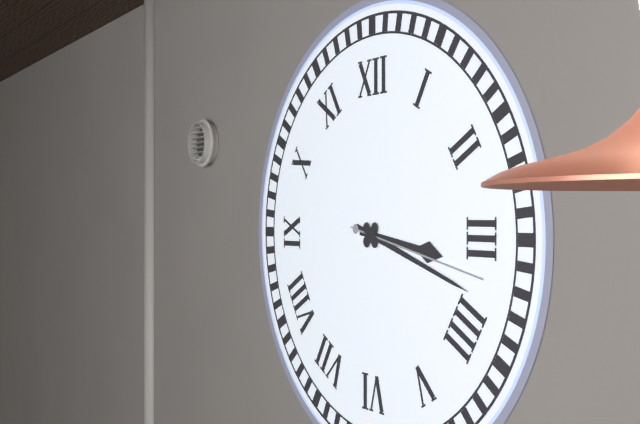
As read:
**3:18:17**
